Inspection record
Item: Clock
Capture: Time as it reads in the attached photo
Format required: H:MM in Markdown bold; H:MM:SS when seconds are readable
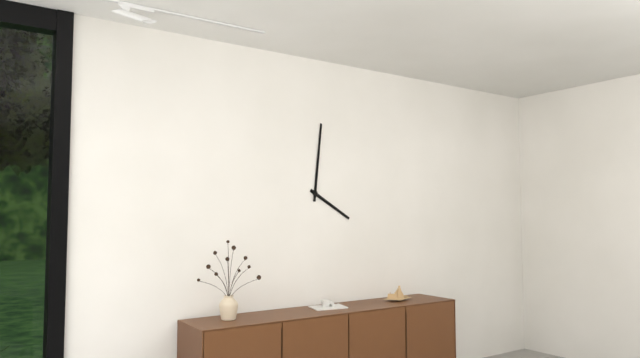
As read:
**4:01**
